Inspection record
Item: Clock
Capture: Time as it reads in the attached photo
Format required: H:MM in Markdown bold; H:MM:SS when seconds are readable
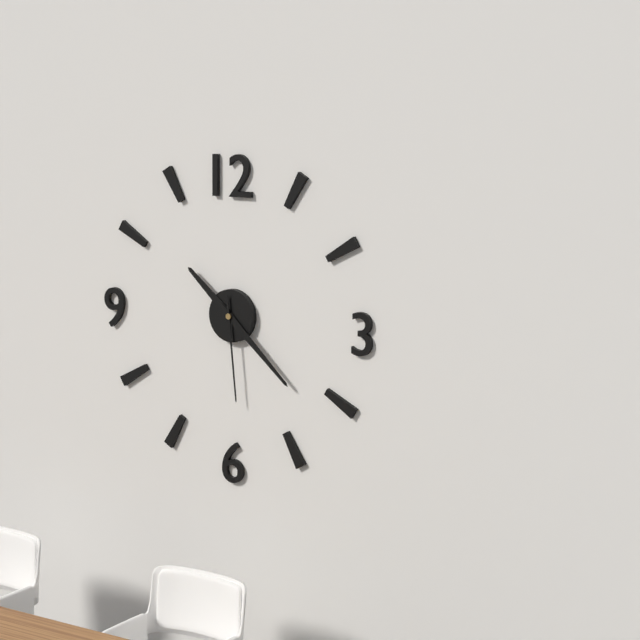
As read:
**10:22:29**
